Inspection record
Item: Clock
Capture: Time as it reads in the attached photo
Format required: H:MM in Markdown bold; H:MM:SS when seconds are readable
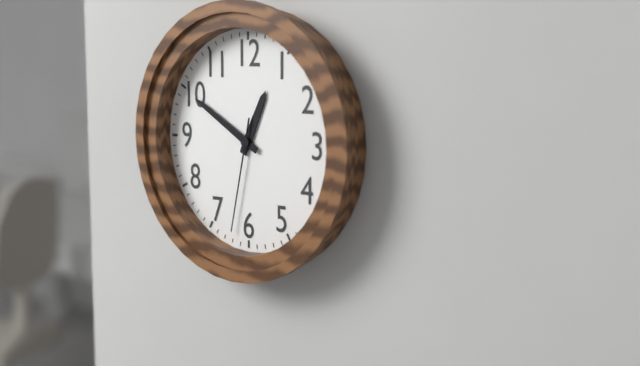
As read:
**12:50:32**
